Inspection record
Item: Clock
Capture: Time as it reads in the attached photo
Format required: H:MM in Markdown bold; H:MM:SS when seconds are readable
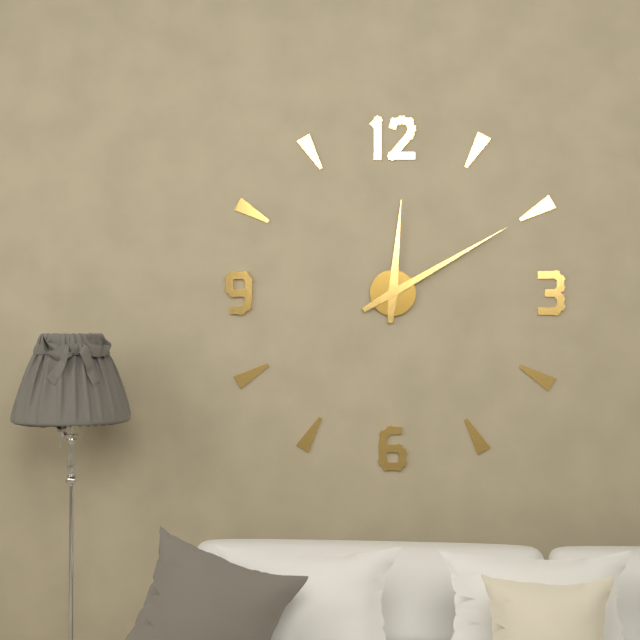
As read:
**12:10**
